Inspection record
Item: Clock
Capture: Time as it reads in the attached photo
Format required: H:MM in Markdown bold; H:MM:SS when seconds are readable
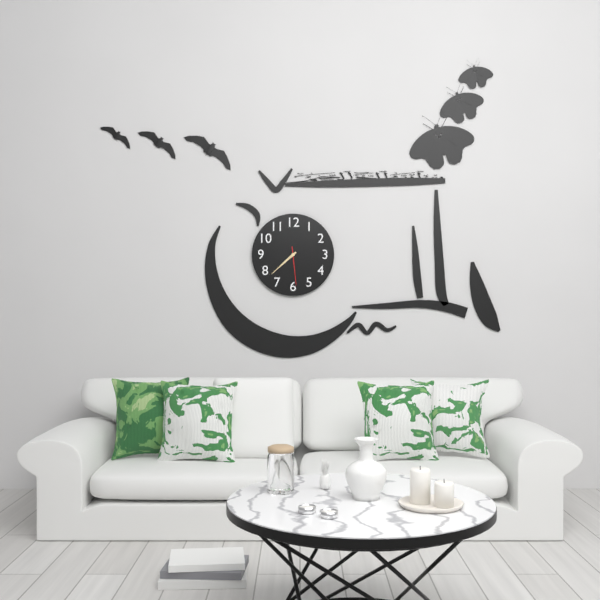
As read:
**7:38**
